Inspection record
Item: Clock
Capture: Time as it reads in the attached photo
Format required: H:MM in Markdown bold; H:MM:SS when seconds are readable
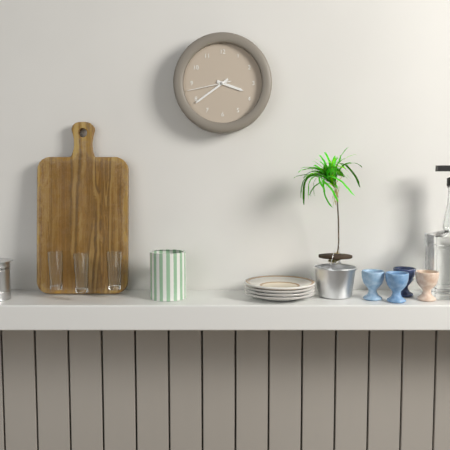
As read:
**3:39**
